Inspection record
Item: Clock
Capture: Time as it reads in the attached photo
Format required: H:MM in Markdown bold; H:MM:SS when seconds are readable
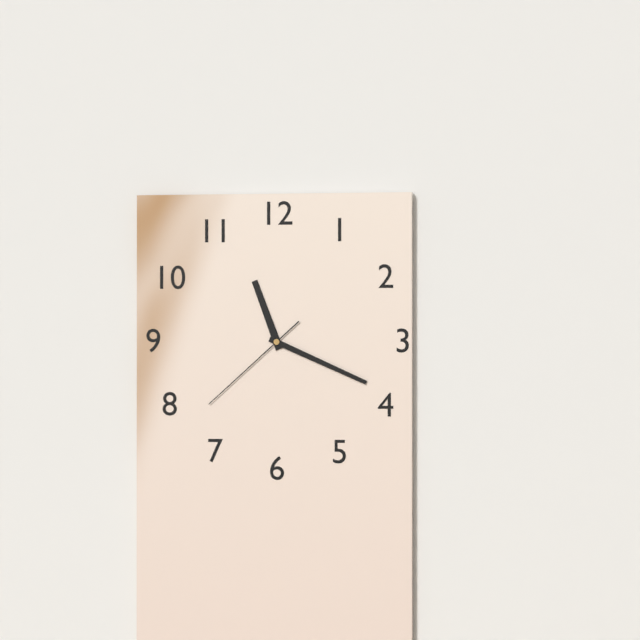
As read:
**11:19:38**
